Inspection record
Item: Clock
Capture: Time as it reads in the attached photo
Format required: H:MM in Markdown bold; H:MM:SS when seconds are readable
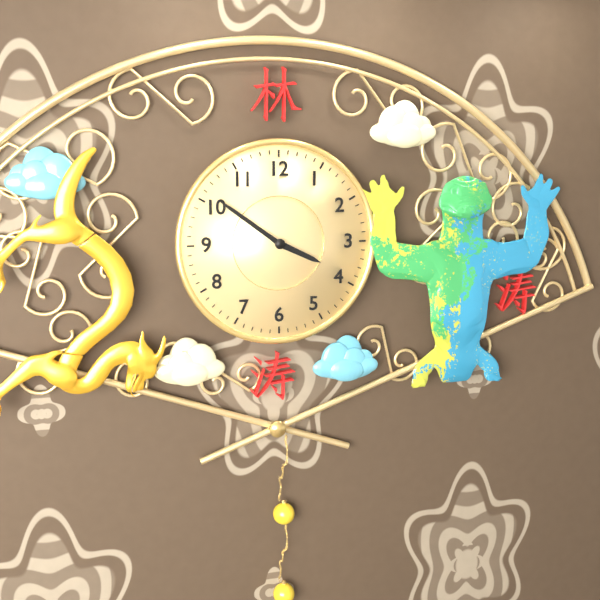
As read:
**3:51**
